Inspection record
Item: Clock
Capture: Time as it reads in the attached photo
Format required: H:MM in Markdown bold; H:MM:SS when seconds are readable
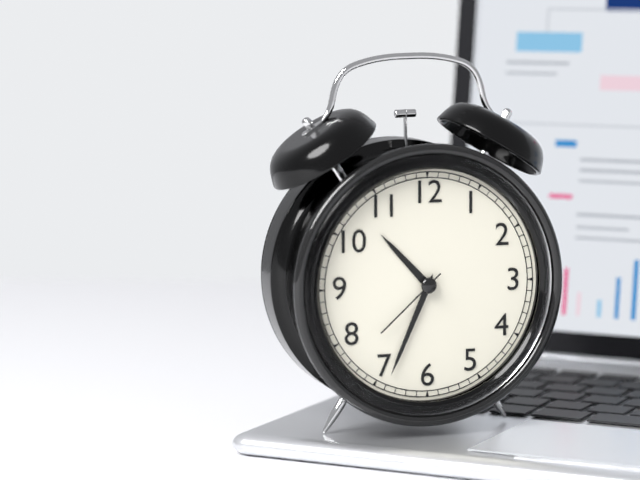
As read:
**10:34:38**
